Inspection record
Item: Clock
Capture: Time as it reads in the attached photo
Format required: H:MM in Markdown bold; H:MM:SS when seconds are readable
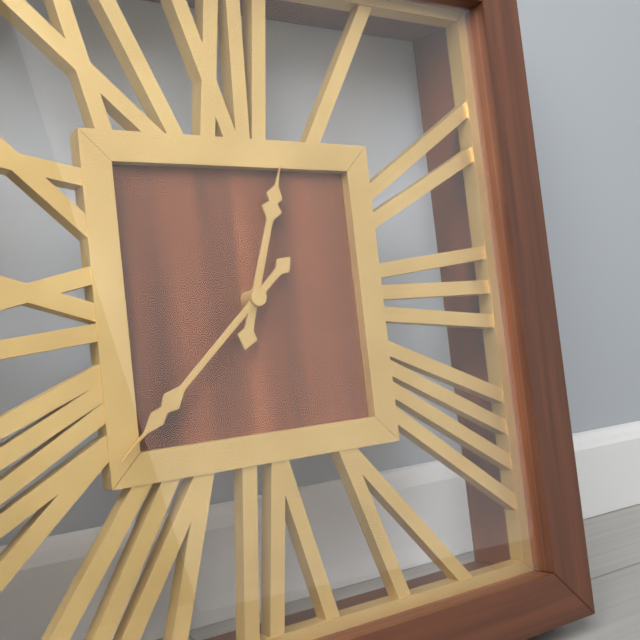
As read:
**12:38**
